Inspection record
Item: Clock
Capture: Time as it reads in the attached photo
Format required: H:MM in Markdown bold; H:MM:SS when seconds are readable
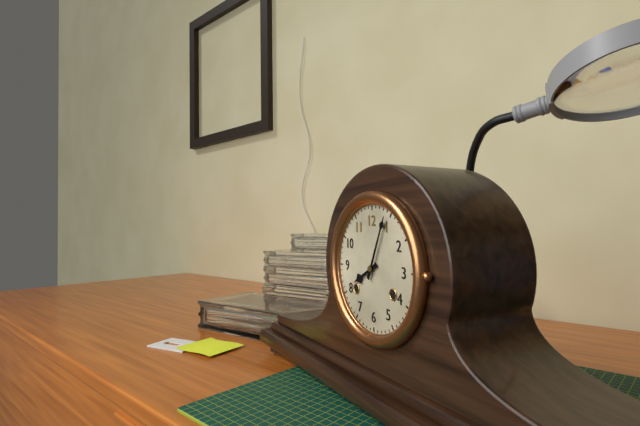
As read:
**8:04**
